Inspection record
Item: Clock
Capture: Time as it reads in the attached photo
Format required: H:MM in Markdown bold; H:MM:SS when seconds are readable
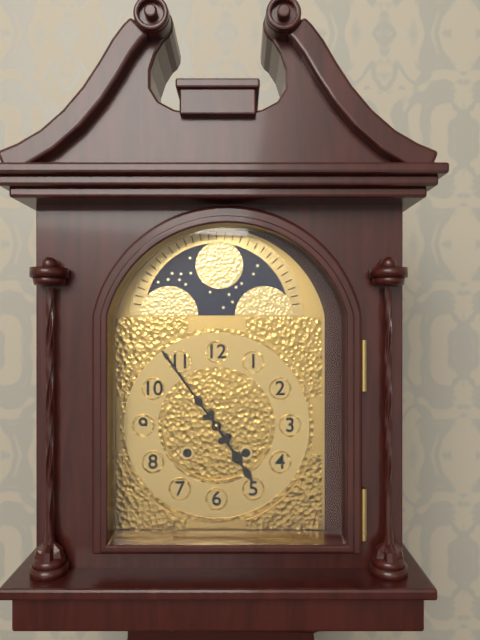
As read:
**4:54**
